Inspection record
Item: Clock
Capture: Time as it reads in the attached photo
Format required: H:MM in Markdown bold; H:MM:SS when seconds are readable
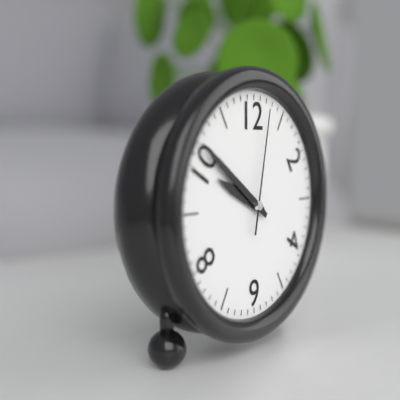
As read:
**9:51:02**
